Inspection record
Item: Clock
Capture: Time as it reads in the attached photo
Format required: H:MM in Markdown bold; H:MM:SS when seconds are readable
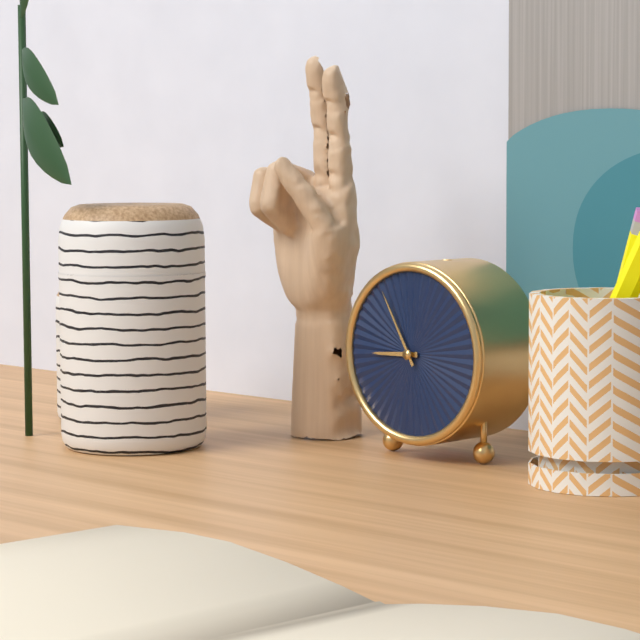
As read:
**8:55**
